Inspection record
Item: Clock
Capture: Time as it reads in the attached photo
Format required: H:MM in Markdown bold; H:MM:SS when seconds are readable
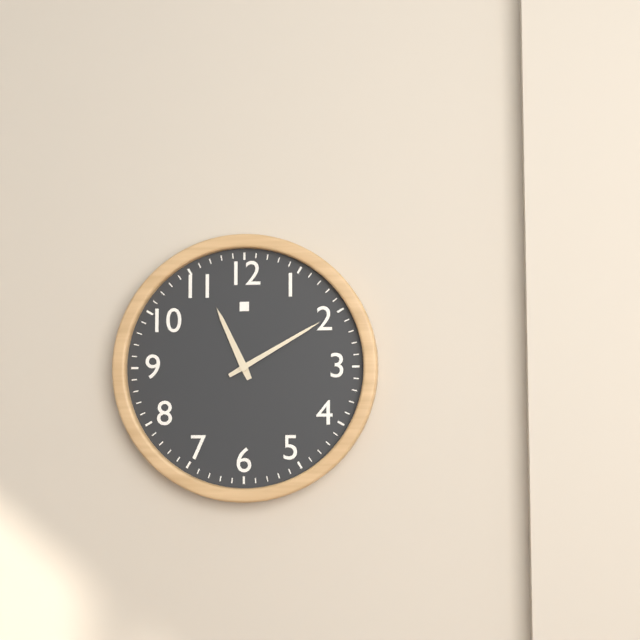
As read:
**11:10**
